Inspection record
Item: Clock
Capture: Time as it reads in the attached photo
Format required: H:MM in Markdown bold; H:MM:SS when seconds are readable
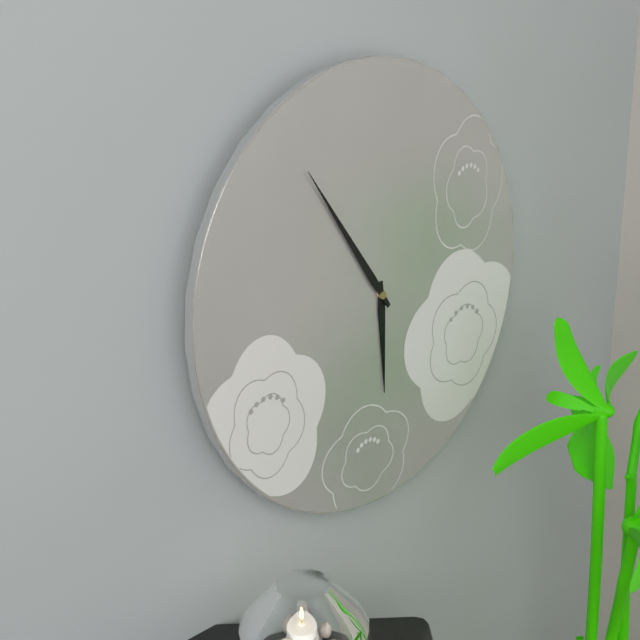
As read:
**5:54**
